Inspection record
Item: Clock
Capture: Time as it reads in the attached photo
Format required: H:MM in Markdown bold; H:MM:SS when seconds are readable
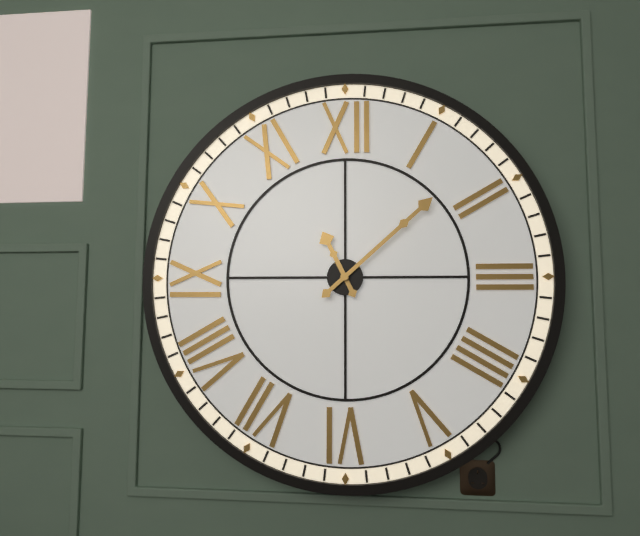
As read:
**11:08**
